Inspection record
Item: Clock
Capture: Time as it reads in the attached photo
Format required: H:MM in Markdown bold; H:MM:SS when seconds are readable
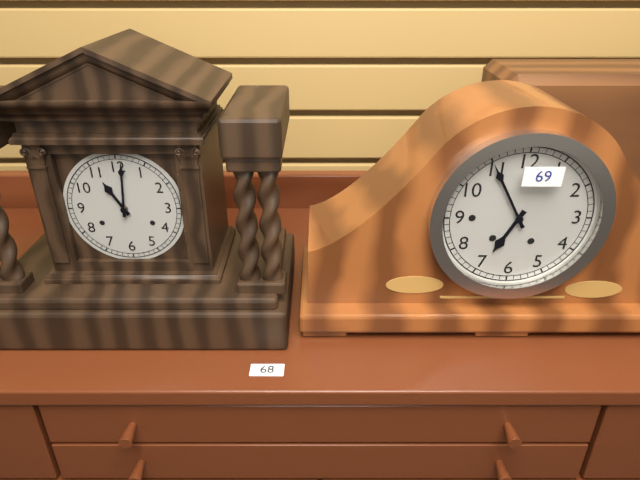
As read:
**11:01**
